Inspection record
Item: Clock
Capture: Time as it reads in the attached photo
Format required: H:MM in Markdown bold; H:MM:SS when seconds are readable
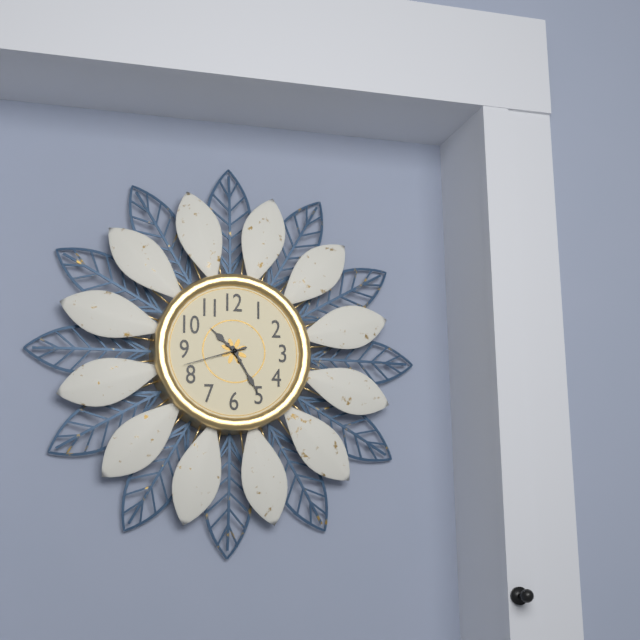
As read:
**10:25:42**
